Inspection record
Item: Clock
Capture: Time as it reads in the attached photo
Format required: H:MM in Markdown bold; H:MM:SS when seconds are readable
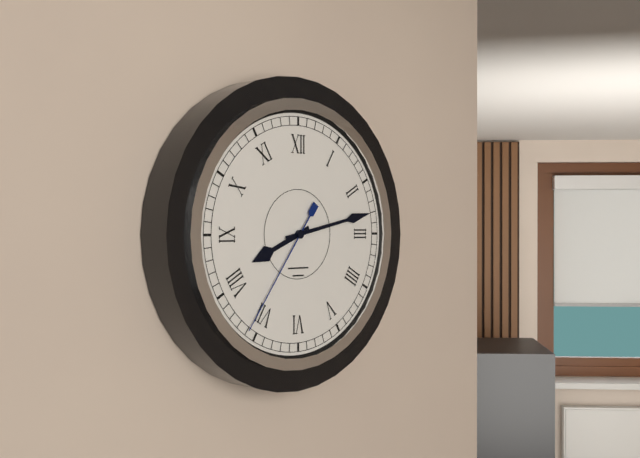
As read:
**8:13:36**
